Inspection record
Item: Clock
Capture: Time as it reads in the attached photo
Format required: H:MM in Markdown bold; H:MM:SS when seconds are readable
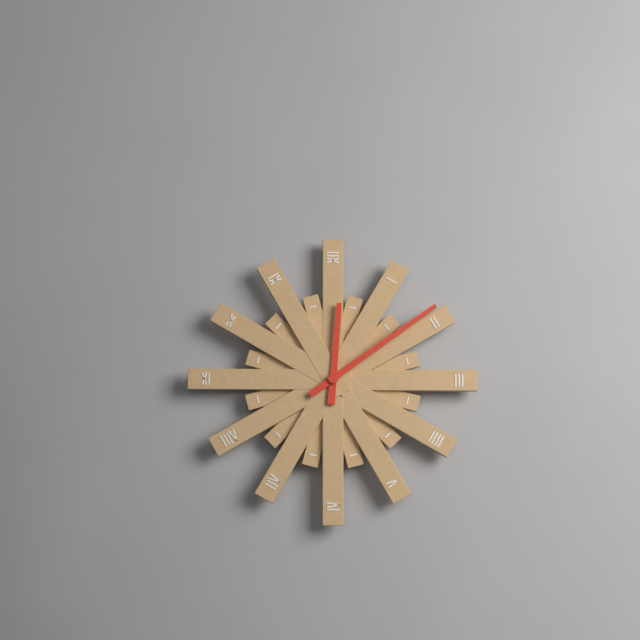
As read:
**12:09**
